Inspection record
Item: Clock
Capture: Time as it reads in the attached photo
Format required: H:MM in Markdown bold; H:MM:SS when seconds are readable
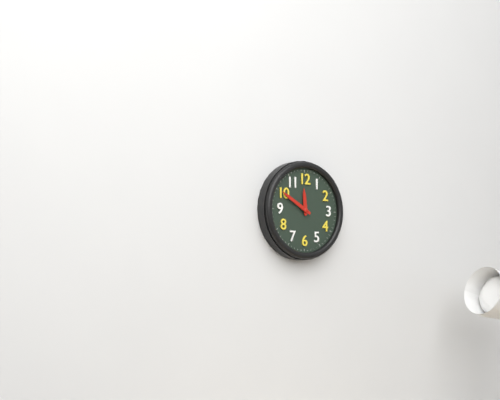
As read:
**11:50**
